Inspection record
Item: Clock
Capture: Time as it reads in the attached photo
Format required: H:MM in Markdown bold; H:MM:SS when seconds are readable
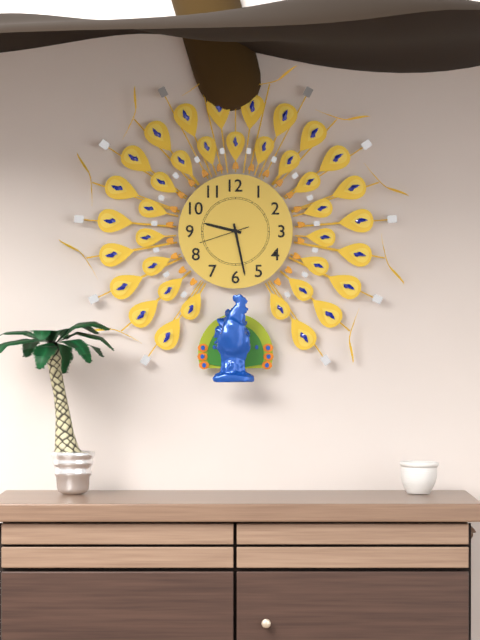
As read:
**9:28**
